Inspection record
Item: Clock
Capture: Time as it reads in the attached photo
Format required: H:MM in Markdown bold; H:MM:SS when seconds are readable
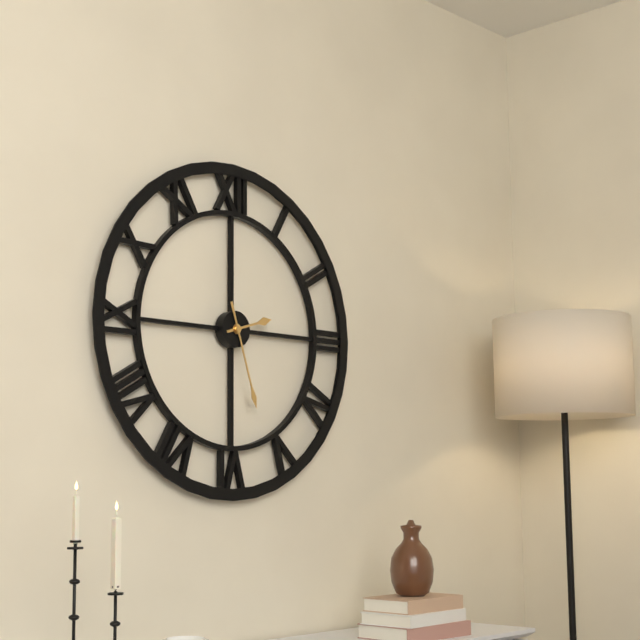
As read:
**2:27**
